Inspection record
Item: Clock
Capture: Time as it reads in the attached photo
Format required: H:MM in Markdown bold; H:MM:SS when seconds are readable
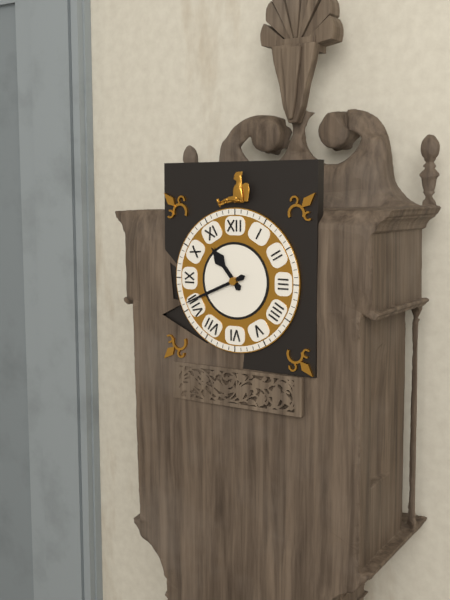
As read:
**10:41**
